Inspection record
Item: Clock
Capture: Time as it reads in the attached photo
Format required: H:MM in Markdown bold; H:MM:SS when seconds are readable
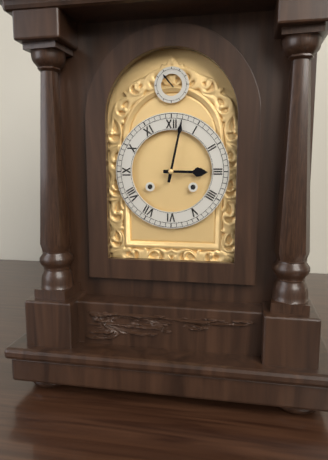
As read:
**3:02**
